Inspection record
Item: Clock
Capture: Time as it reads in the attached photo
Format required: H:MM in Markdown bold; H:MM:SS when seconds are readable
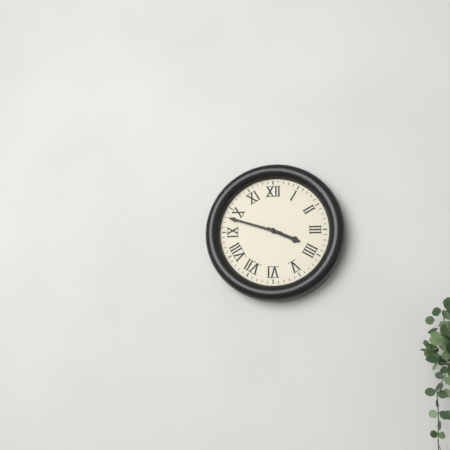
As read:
**3:48**
